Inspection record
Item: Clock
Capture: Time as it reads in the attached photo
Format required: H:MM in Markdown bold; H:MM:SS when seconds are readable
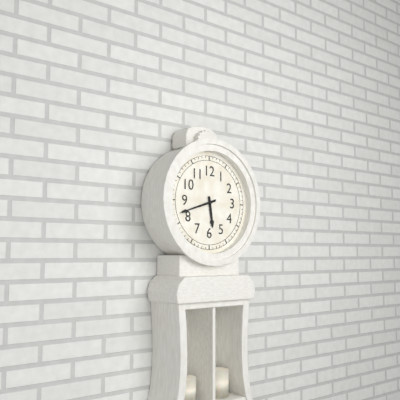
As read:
**5:42**
